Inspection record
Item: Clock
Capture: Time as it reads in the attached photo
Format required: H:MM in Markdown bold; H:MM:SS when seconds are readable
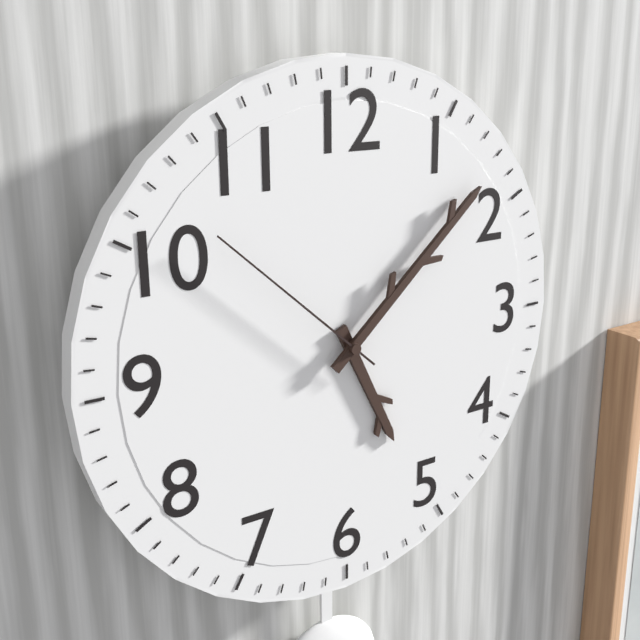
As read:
**5:08:52**
